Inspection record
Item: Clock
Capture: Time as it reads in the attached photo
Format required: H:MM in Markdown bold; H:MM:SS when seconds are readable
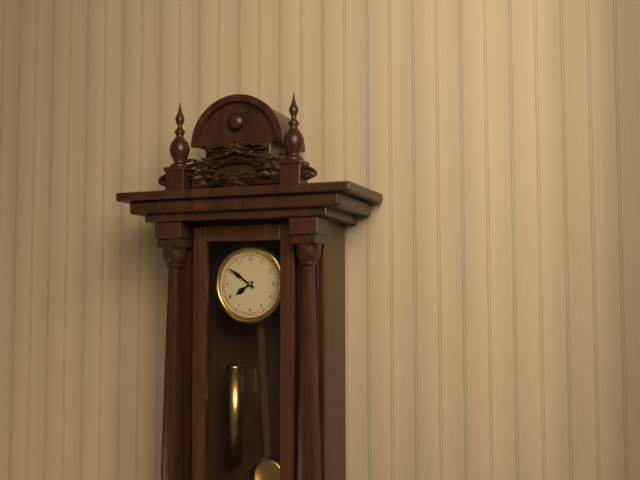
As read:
**7:51**
